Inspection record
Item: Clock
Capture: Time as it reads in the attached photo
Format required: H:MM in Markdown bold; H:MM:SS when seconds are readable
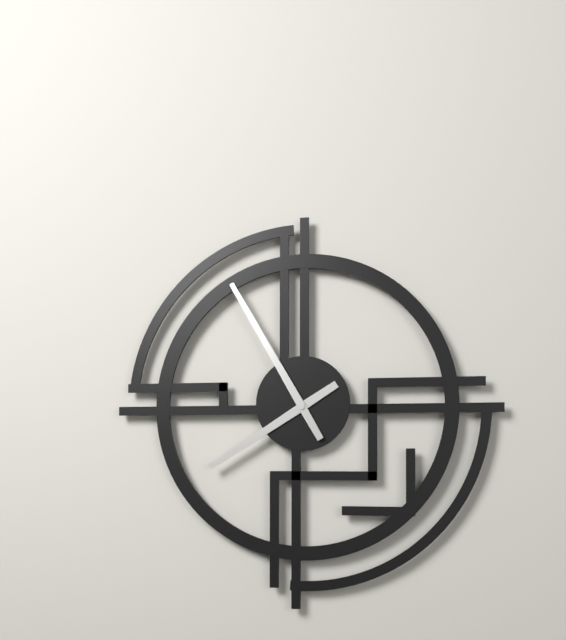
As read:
**7:55**
